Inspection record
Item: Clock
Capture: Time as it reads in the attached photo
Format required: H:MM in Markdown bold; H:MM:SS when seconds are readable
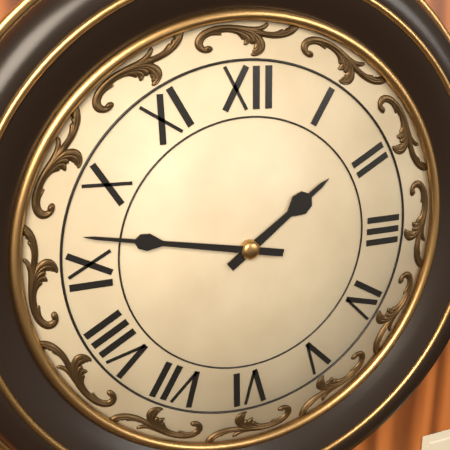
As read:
**1:47**
